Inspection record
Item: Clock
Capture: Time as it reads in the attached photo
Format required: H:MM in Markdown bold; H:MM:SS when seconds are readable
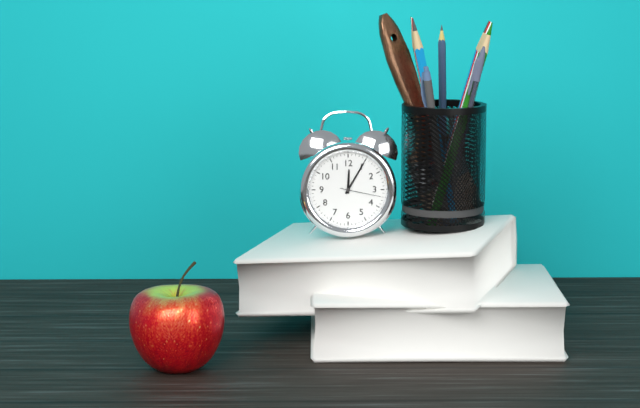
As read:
**12:05**
